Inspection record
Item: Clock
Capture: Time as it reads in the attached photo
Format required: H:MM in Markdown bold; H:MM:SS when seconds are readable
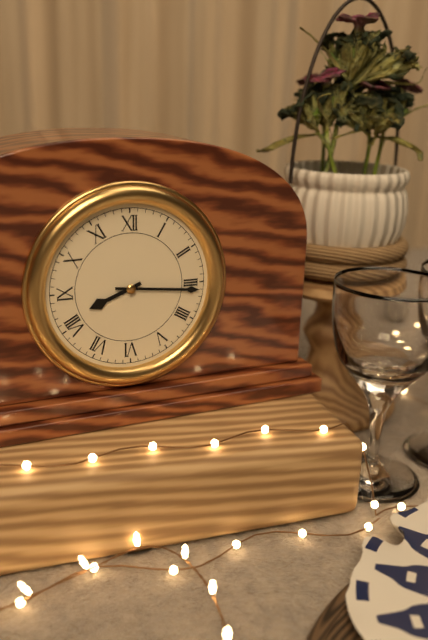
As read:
**8:16**
